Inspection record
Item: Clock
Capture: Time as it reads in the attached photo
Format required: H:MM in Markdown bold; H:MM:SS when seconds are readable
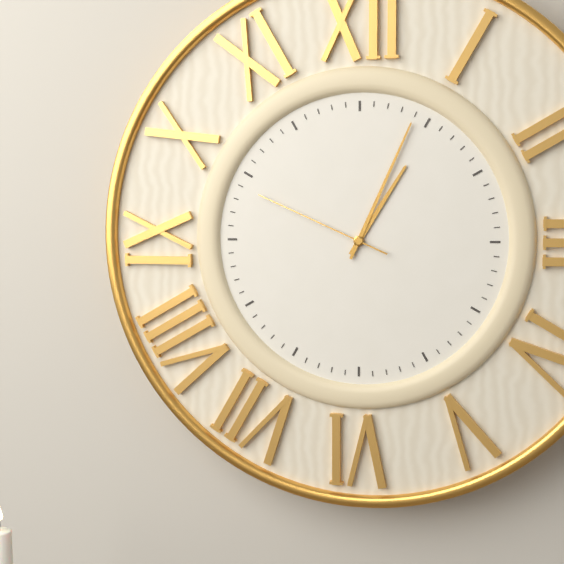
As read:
**1:04:49**
